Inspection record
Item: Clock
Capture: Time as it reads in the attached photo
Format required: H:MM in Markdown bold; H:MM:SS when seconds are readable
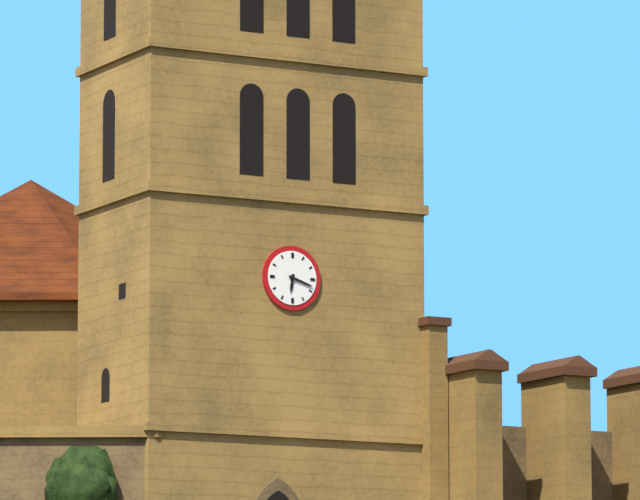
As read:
**6:18**
